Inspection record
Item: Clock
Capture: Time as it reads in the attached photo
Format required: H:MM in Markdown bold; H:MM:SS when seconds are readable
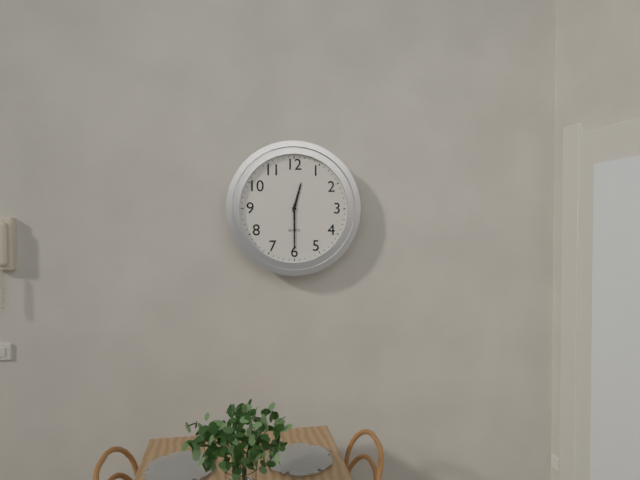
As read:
**12:30**
